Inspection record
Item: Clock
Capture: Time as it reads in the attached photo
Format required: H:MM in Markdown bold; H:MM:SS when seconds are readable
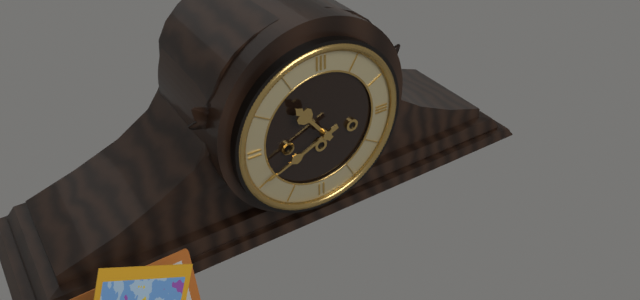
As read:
**10:41**
